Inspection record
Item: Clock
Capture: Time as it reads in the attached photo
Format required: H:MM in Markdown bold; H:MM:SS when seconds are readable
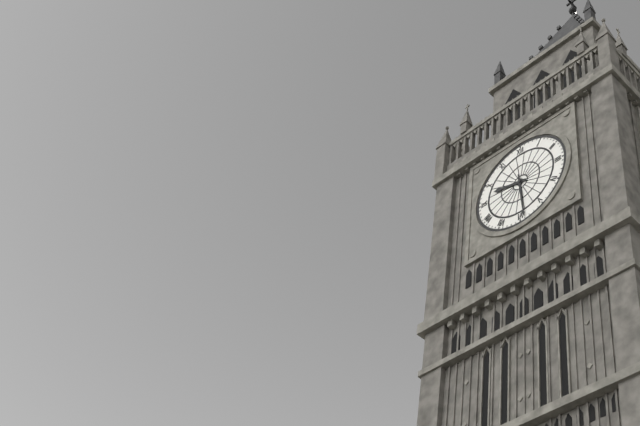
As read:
**9:29**
